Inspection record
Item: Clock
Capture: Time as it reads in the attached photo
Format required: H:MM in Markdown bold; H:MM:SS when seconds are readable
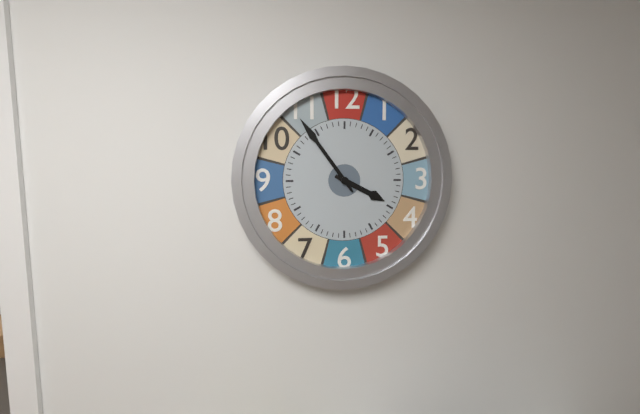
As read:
**3:54**
